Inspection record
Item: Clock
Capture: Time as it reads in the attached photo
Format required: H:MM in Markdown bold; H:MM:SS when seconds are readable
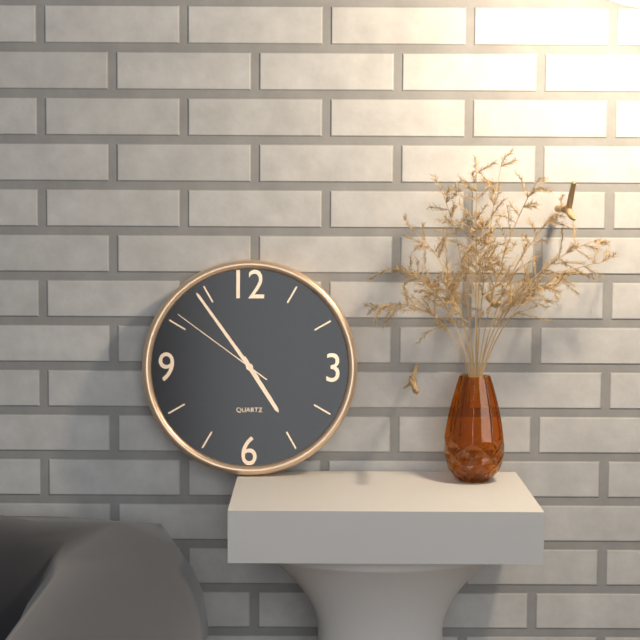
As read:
**4:54:51**
